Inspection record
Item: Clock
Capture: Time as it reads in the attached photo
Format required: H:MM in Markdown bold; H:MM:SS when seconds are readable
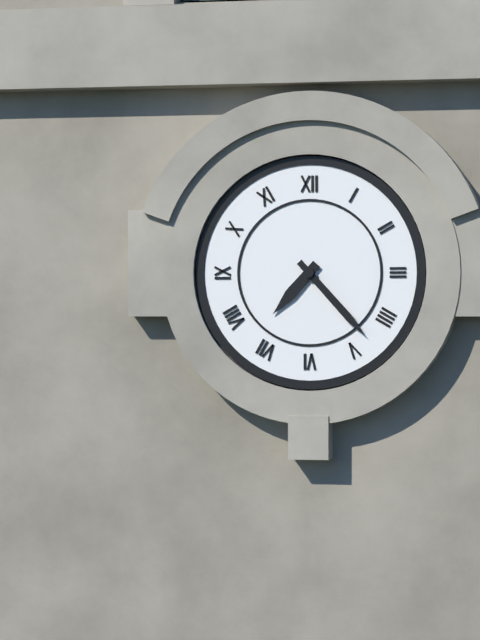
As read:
**7:23**
